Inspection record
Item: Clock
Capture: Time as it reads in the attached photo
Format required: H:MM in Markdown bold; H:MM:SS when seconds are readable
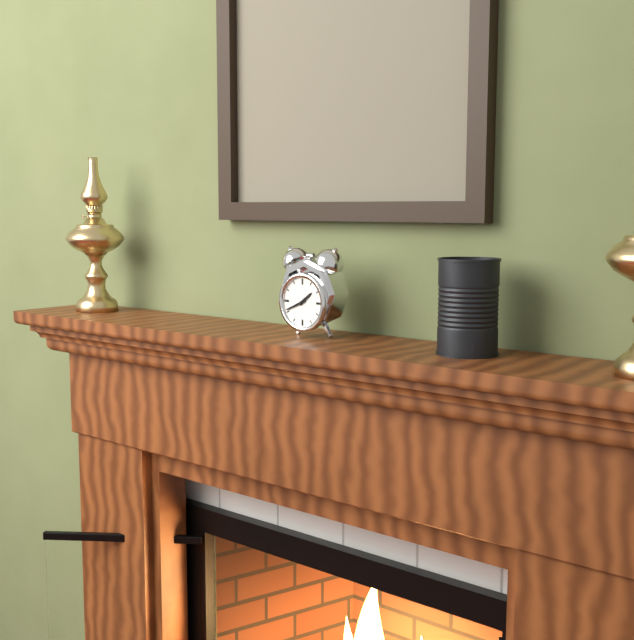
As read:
**1:41**
